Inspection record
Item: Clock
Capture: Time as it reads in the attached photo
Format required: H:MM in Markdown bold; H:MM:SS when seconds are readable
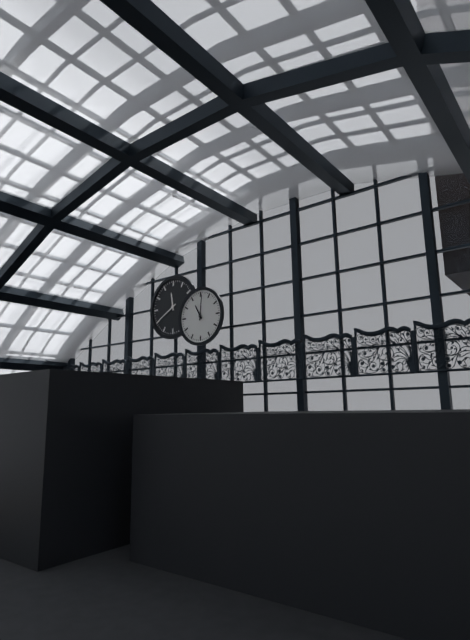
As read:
**11:01**
